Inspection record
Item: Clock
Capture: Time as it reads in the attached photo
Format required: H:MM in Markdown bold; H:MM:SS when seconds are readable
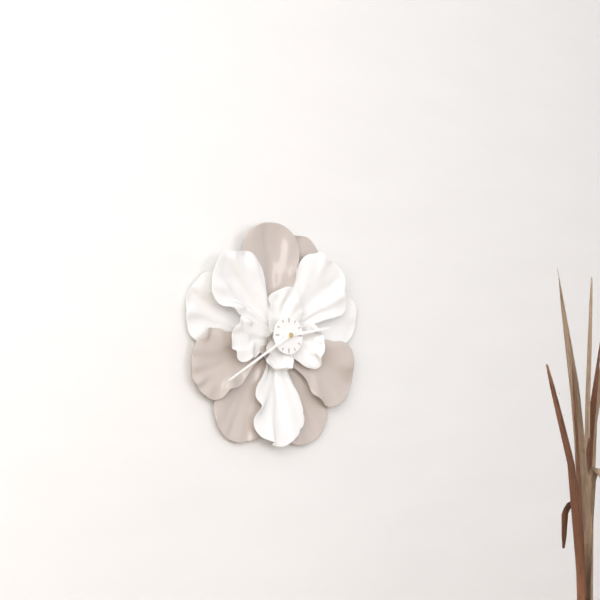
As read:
**2:40**
